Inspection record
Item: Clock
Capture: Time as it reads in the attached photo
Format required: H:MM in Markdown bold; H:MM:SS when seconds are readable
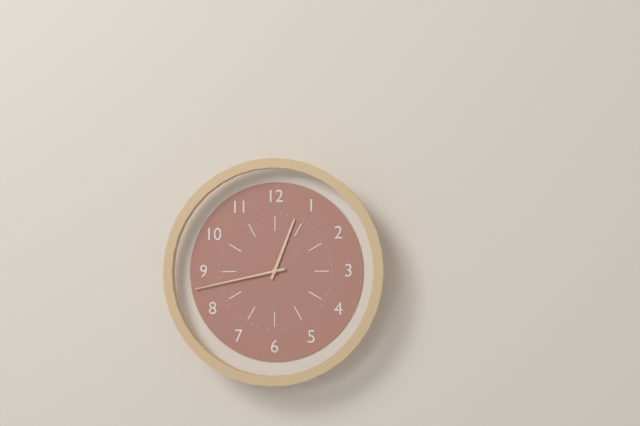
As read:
**12:43**
